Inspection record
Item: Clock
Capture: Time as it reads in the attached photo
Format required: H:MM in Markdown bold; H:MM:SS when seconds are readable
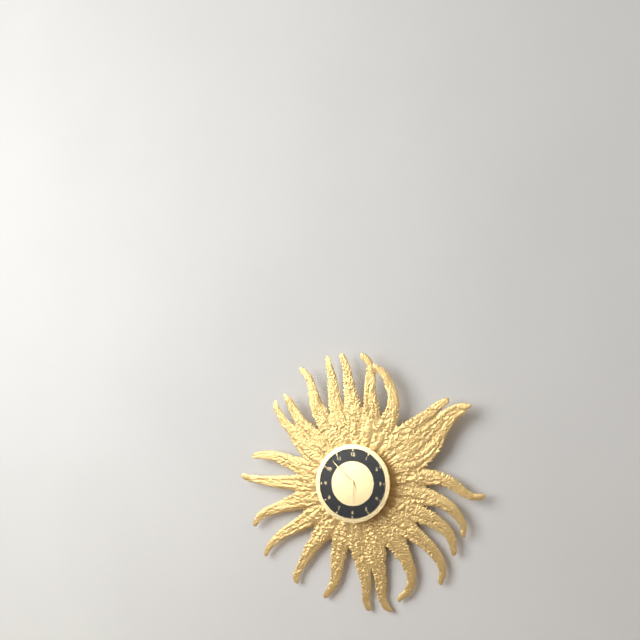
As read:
**5:53**
